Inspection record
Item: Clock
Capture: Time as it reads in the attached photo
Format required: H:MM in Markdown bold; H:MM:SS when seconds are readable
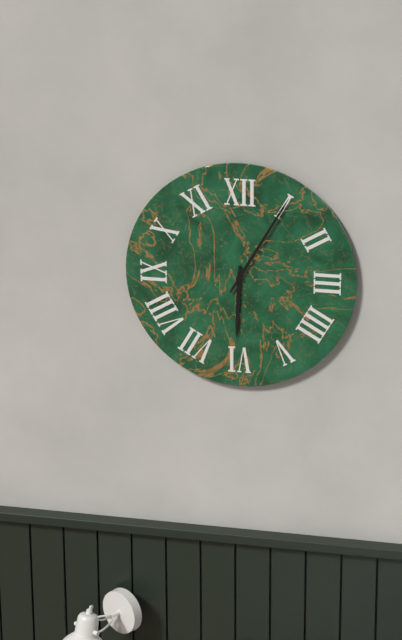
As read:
**6:05**
